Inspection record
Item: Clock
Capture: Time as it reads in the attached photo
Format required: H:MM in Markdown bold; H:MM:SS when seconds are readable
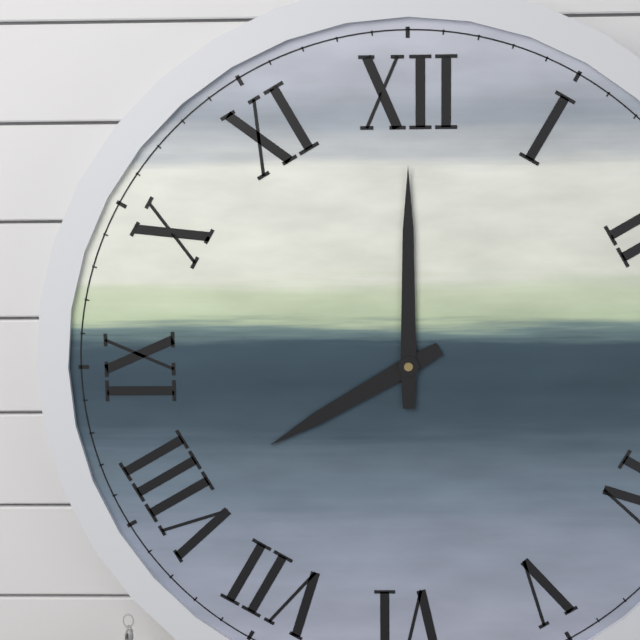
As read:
**8:00**
